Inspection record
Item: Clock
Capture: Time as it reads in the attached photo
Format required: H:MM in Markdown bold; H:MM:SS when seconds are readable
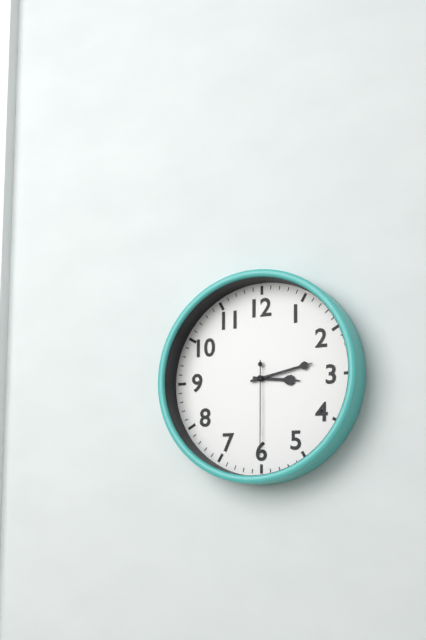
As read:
**3:13:30**
